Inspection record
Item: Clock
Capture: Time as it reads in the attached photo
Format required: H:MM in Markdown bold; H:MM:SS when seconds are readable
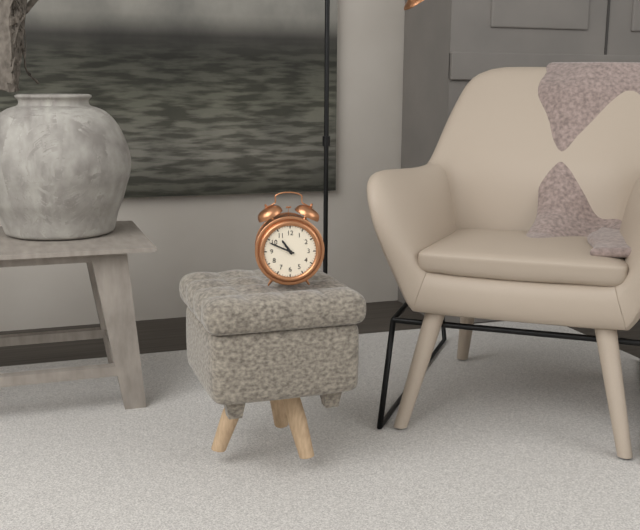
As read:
**10:49**
